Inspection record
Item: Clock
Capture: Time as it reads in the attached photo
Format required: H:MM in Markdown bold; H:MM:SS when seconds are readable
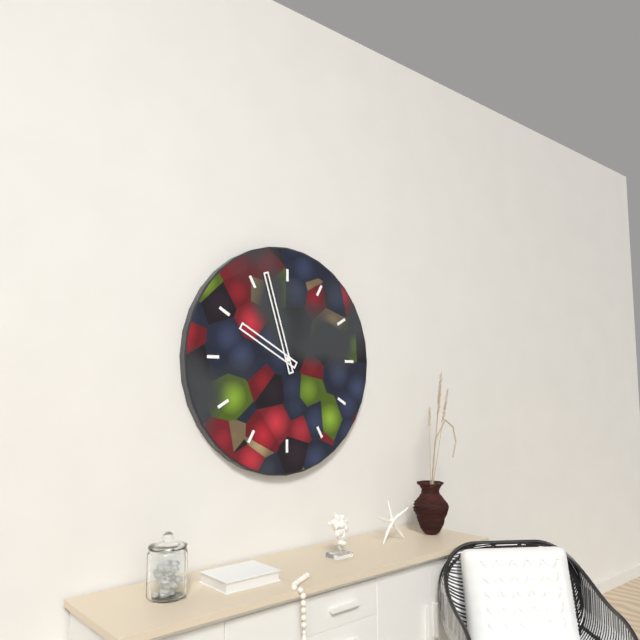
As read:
**9:57**
